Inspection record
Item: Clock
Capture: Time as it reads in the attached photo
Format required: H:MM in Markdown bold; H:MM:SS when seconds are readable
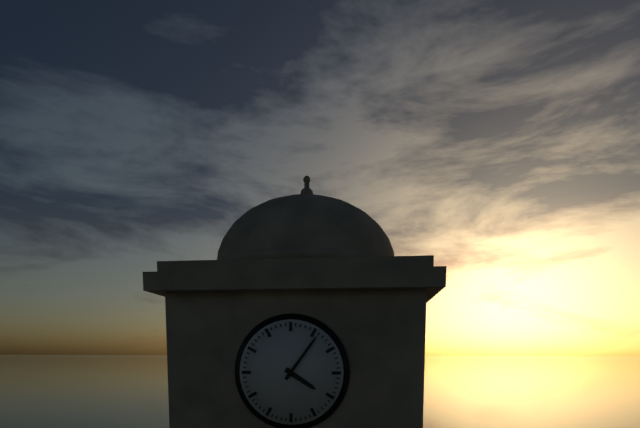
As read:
**4:06**
